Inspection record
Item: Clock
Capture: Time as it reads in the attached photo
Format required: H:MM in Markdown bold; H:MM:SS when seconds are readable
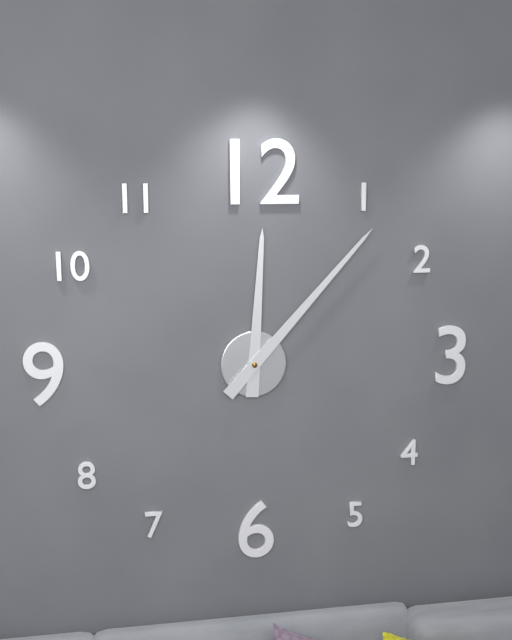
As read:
**12:07**
